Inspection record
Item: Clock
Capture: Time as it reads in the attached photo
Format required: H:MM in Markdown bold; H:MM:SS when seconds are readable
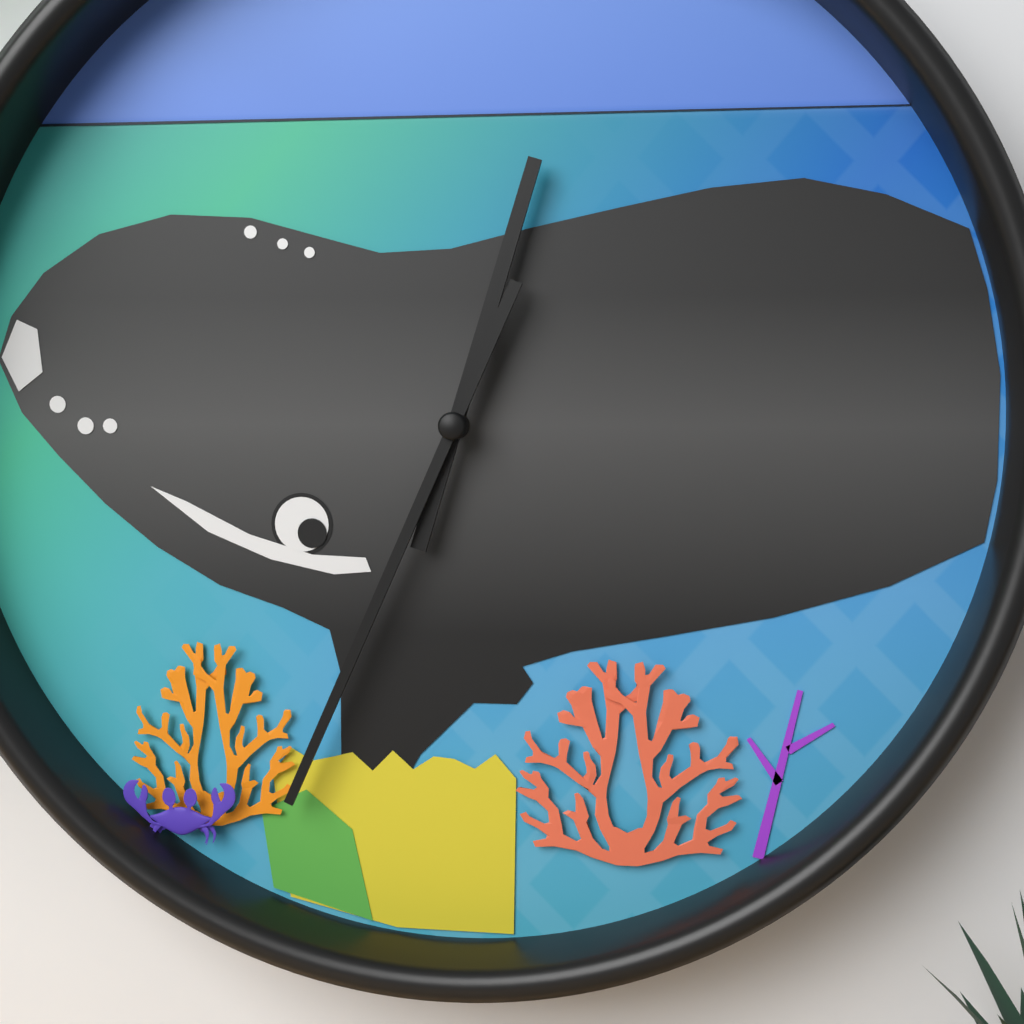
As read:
**12:34**
